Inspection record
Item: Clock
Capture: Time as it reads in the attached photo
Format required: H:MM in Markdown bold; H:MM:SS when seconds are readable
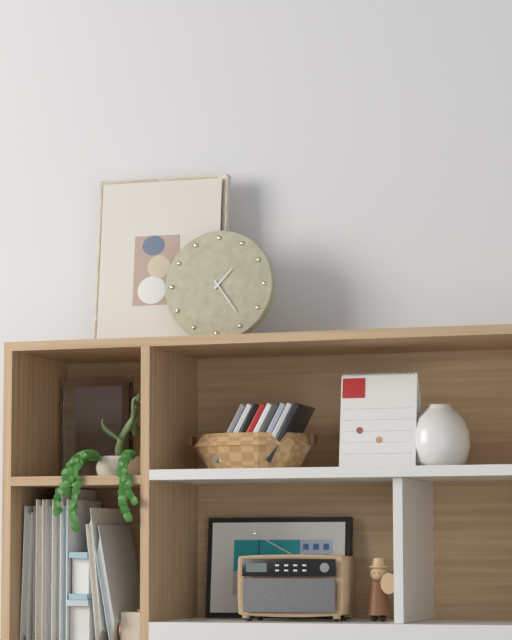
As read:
**1:24**
